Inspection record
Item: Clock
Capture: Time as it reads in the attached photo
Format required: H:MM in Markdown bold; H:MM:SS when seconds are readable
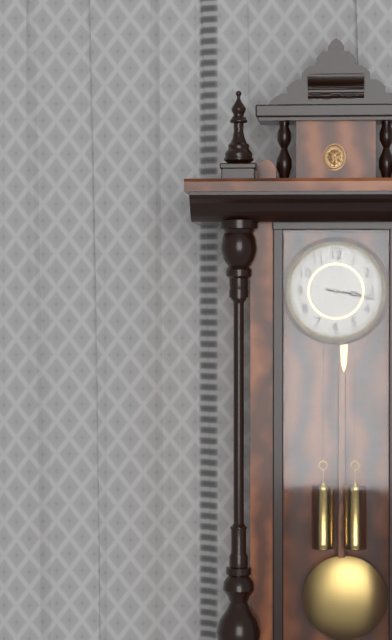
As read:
**3:17**
